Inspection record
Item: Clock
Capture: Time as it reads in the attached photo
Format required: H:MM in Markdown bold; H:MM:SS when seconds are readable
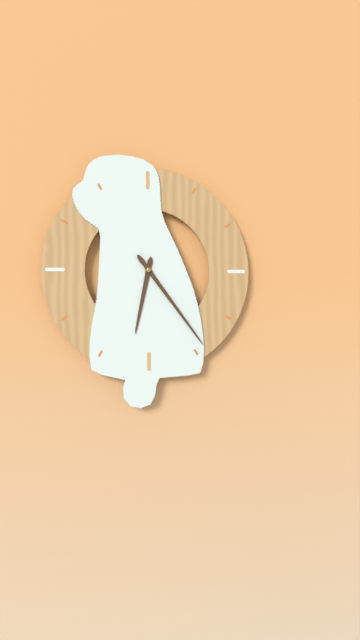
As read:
**6:24**
